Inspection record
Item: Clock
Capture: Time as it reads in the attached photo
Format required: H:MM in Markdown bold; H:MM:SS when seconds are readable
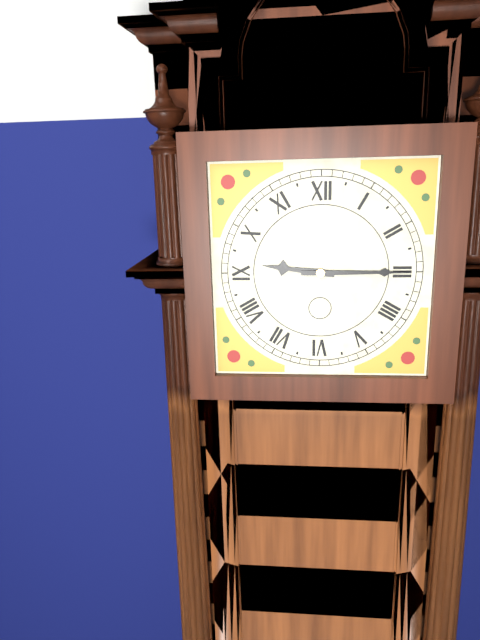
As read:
**9:15**
